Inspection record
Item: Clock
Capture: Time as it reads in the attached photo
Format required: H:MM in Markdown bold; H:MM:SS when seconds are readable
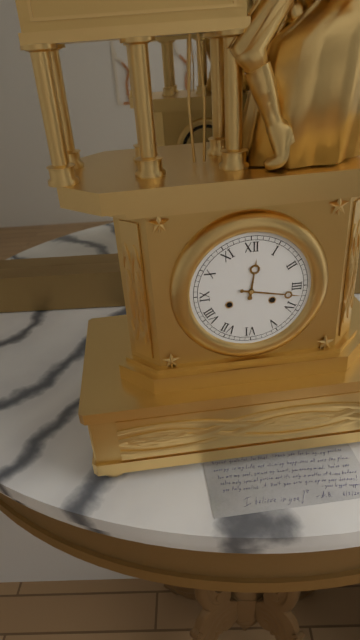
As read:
**12:17**
